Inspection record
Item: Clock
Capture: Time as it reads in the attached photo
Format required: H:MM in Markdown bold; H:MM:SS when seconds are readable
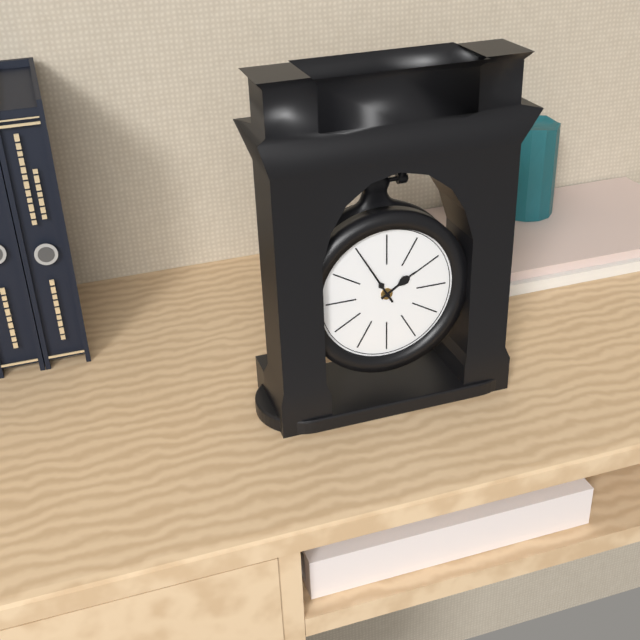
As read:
**1:55**
